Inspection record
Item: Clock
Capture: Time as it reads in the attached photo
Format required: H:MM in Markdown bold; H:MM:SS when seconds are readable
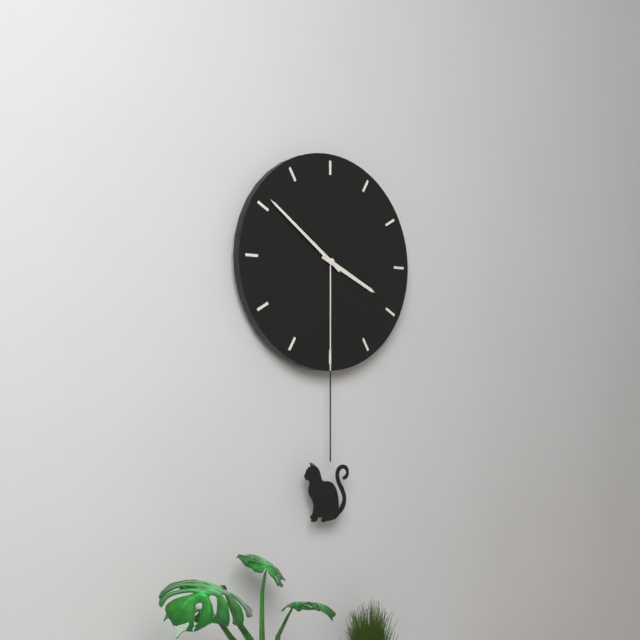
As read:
**3:51**
